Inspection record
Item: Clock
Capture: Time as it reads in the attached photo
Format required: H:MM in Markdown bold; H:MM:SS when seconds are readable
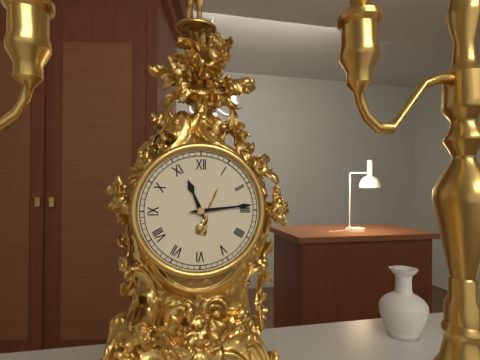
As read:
**11:14**
